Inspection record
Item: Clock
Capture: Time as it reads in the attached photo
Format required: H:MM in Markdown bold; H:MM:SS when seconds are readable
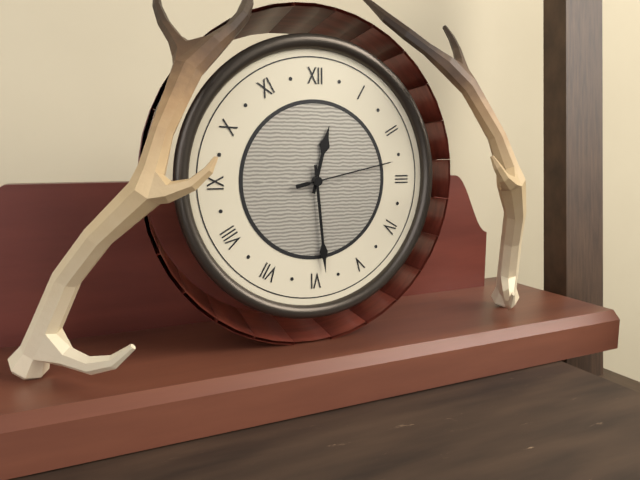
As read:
**12:29:13**
